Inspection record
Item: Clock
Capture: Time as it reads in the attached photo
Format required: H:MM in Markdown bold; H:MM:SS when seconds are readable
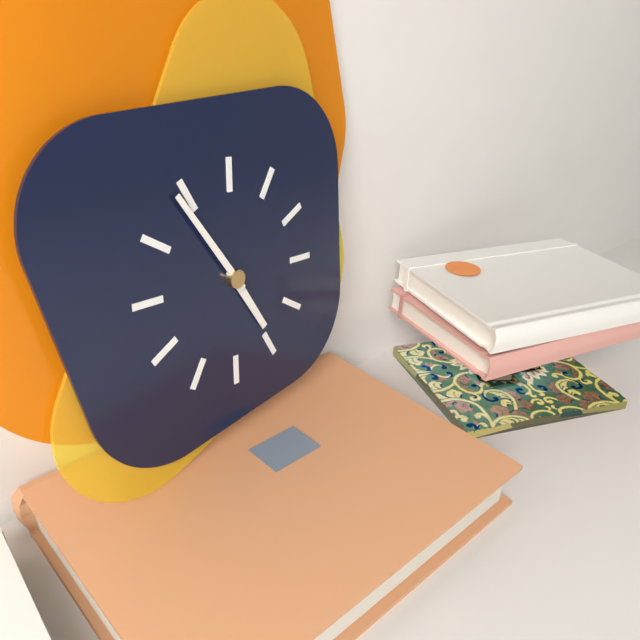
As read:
**4:54**
